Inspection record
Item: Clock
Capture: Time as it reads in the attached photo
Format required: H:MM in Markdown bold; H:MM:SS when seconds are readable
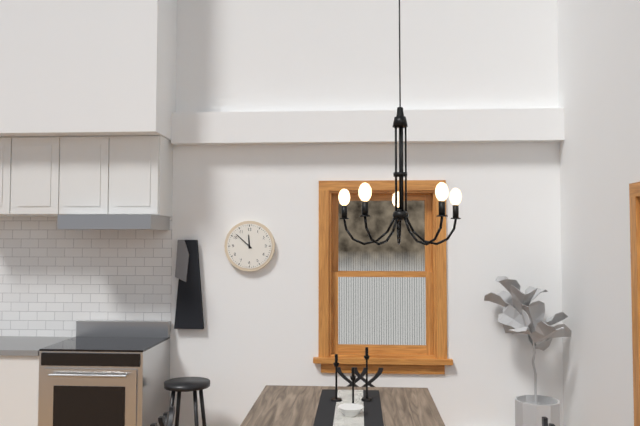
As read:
**11:52**
